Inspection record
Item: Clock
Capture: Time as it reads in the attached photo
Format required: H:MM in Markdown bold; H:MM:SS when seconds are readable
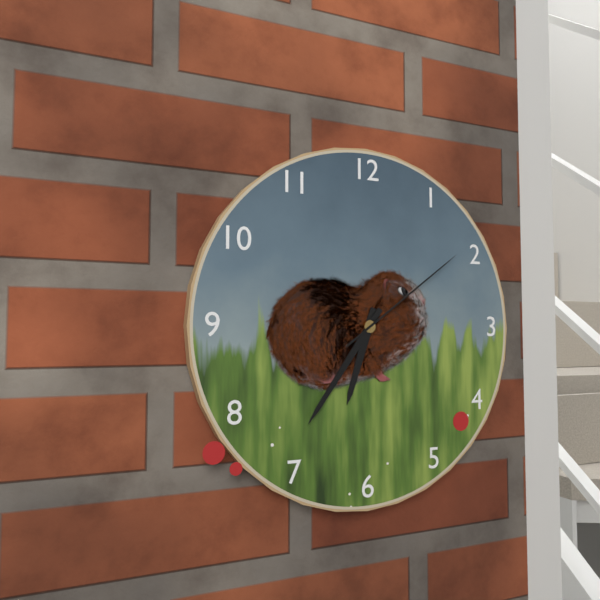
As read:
**6:36:09**
